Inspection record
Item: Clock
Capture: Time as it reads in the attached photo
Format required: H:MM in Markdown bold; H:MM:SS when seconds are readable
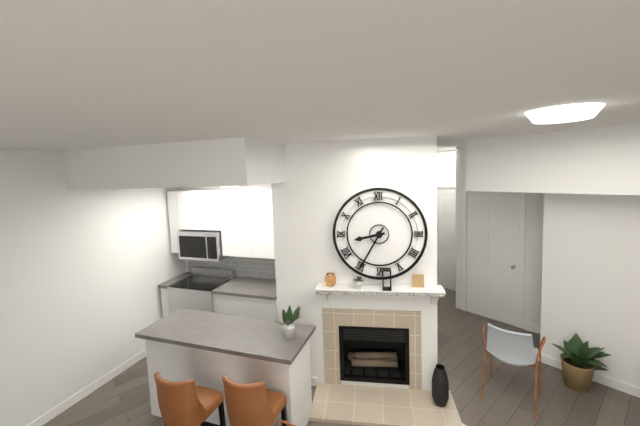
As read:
**8:35**
